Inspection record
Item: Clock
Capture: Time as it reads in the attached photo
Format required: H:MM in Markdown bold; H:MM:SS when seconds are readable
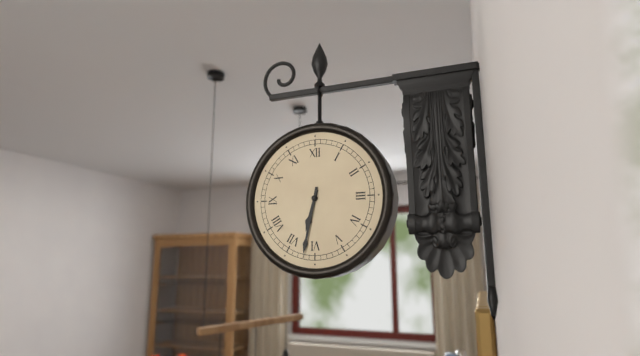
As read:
**6:32**
